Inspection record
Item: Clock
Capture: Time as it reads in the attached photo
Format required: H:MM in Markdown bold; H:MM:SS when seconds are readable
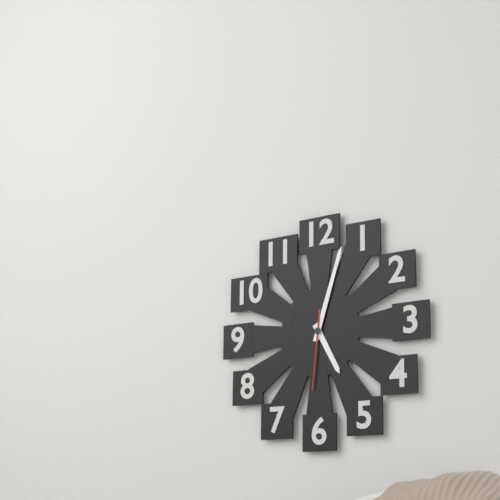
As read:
**5:03:31**
